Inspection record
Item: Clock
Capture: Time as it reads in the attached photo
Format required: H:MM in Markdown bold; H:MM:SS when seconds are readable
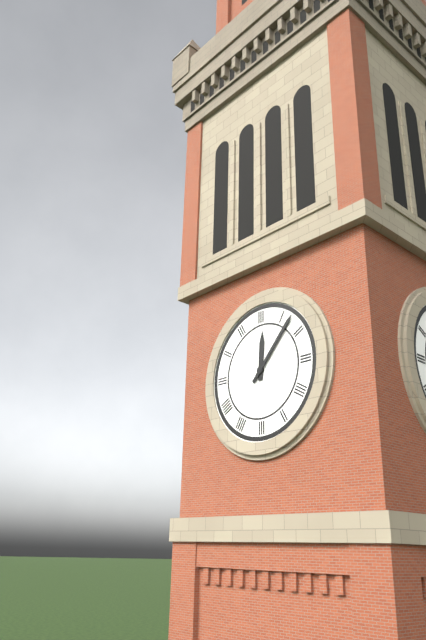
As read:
**12:07**
